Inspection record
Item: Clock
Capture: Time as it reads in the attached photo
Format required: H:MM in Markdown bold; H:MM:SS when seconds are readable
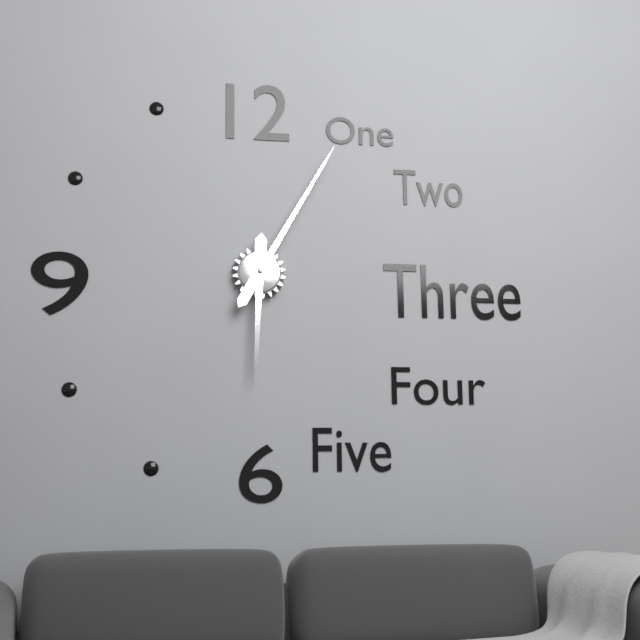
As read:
**6:05**
